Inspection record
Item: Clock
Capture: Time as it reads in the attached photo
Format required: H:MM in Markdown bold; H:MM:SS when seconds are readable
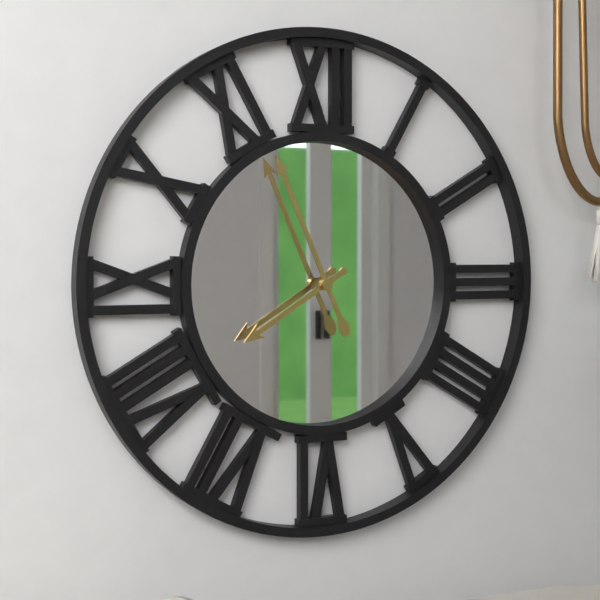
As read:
**7:56**
